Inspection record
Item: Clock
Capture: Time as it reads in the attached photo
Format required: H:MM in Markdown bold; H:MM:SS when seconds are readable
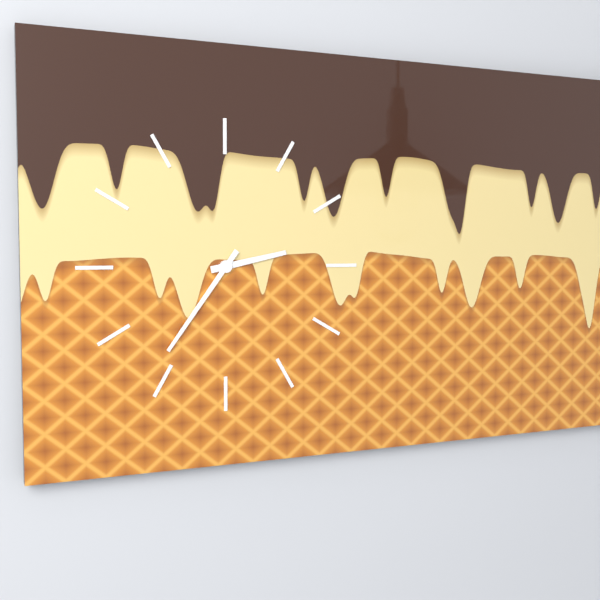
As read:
**2:36**
